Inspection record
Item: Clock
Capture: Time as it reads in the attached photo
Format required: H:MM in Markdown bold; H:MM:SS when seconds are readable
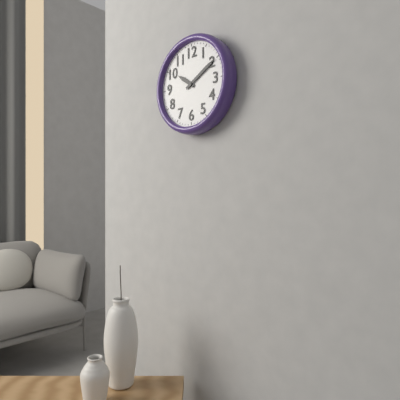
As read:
**10:10**
